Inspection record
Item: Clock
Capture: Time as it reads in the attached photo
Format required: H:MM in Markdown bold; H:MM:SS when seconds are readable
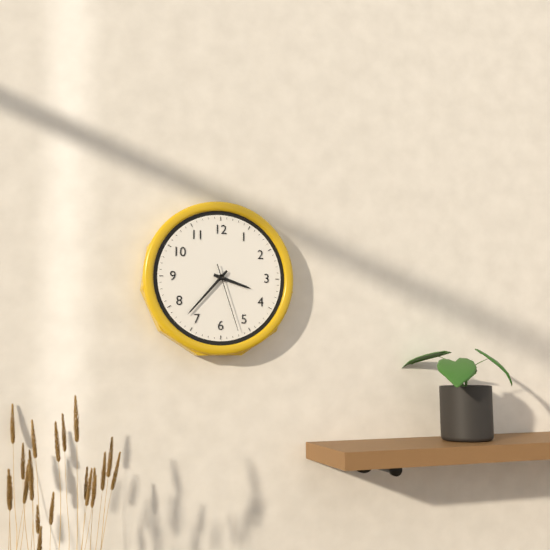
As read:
**3:37:27**
